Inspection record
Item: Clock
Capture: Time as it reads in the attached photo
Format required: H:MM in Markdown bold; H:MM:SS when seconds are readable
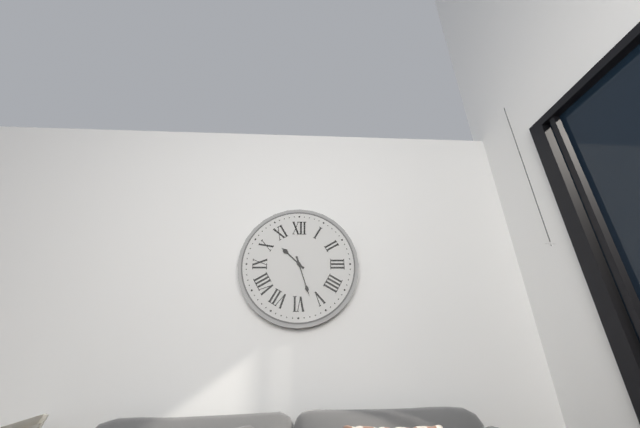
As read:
**10:27**
